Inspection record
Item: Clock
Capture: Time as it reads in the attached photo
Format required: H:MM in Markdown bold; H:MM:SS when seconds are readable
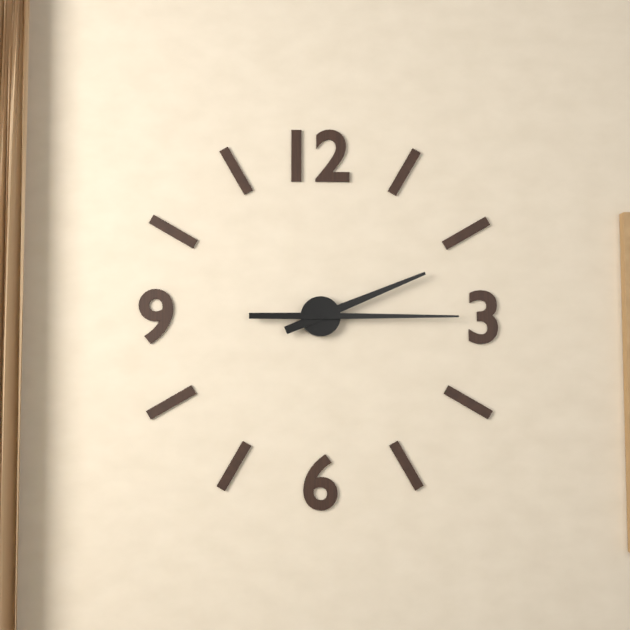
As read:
**2:15**
